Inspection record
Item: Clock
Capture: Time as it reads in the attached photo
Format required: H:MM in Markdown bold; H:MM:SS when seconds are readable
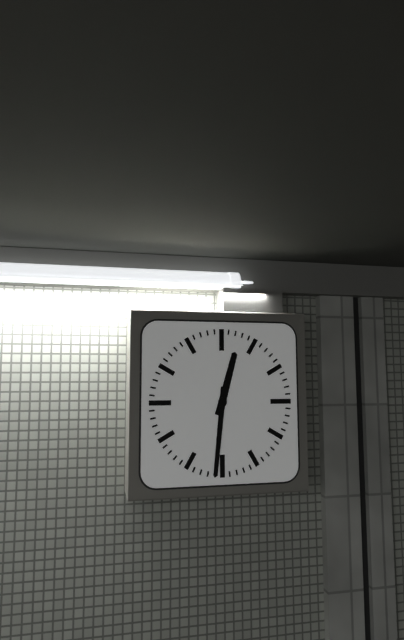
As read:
**12:31**
